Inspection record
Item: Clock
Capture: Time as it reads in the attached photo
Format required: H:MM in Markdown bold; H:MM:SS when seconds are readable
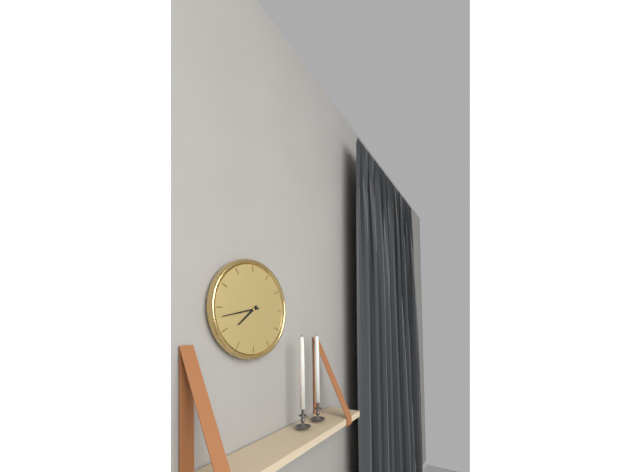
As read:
**7:43**
